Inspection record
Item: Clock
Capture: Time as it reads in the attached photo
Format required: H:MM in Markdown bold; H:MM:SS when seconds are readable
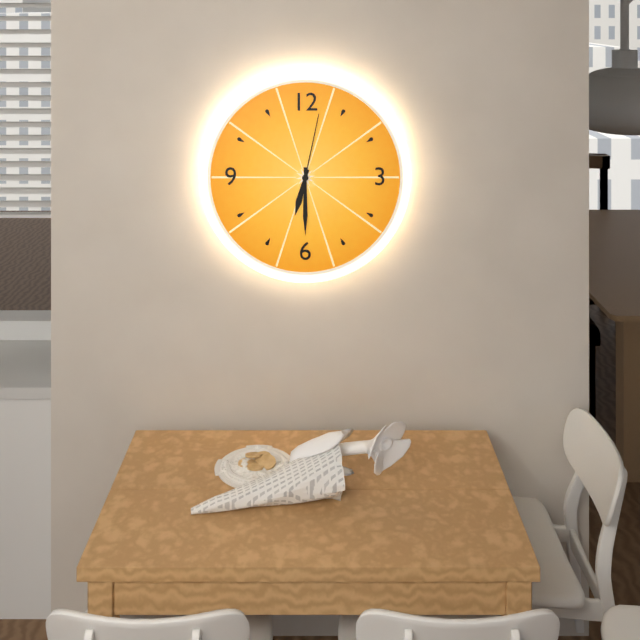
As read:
**6:30:02**
